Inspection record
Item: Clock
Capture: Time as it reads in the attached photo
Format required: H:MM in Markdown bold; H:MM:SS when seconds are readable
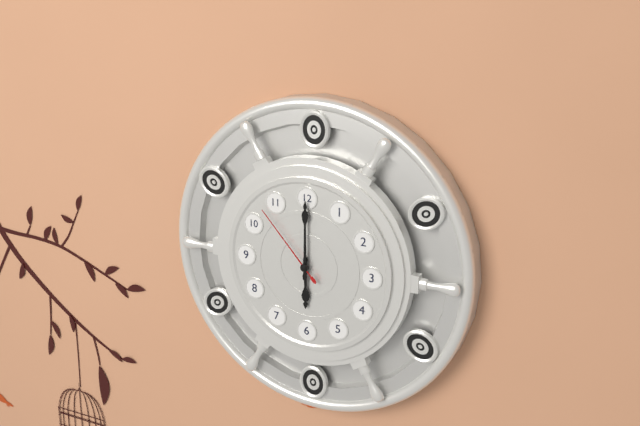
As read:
**6:00:53**
